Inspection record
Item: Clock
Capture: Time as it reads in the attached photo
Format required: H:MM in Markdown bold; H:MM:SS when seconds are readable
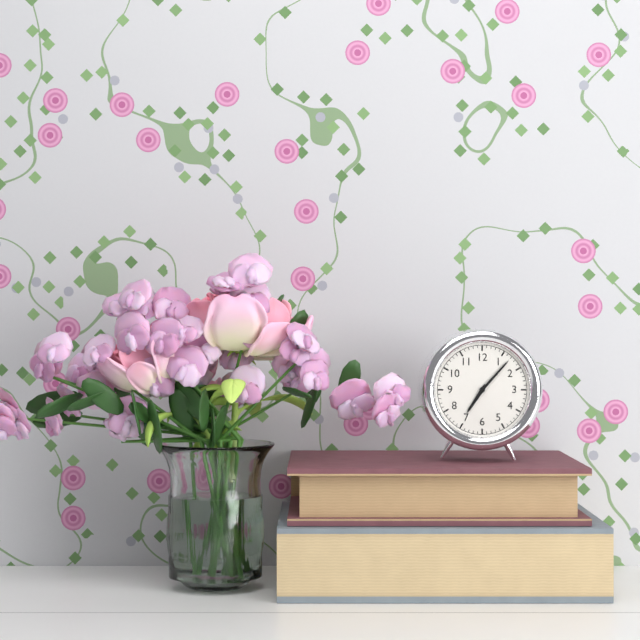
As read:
**7:07**
